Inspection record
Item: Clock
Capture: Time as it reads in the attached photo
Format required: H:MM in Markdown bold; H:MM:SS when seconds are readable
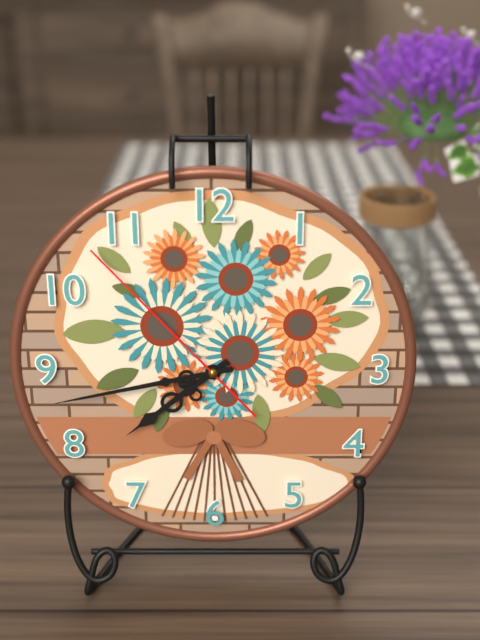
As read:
**7:43:53**
